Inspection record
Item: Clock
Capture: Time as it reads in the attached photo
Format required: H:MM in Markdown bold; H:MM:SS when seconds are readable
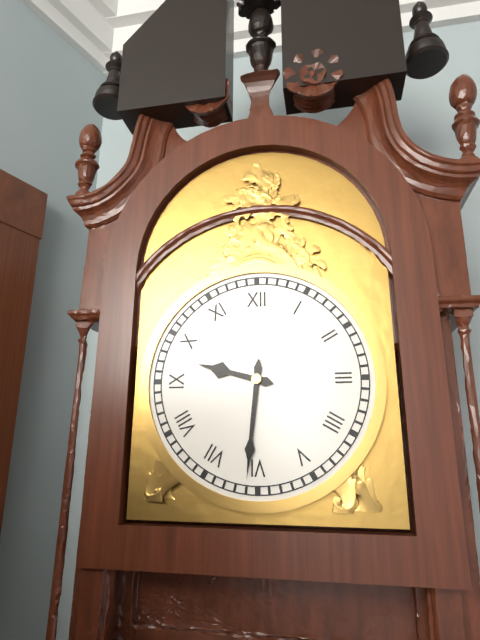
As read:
**9:31**
